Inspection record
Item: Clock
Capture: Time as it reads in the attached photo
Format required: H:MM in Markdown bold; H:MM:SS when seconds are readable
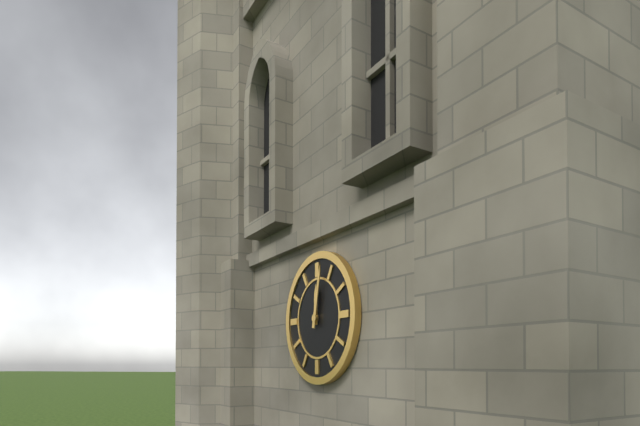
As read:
**12:02**
